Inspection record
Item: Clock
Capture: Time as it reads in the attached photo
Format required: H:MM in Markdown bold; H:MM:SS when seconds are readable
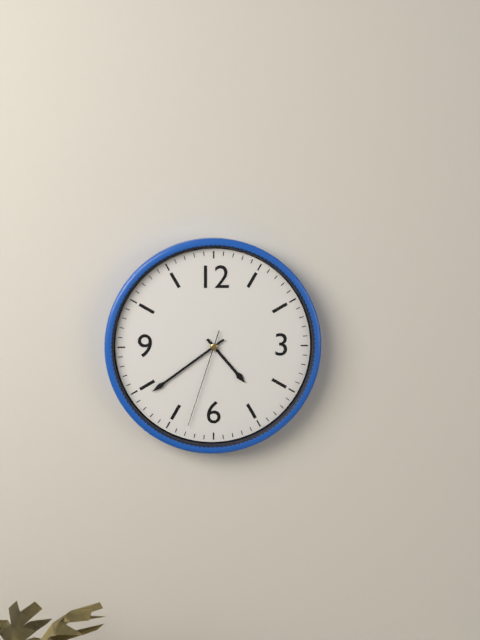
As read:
**4:39:33**
